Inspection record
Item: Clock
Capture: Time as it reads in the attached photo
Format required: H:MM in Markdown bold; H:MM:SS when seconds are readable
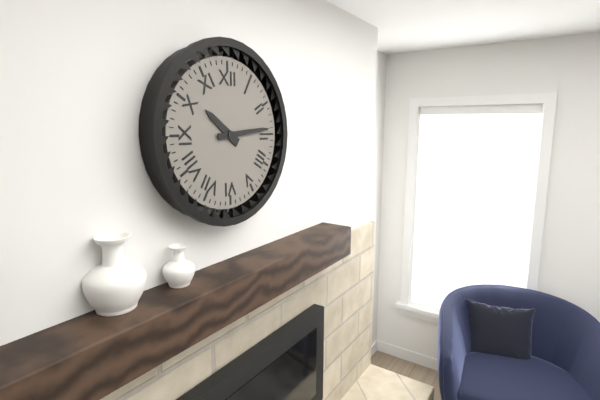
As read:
**10:14**
